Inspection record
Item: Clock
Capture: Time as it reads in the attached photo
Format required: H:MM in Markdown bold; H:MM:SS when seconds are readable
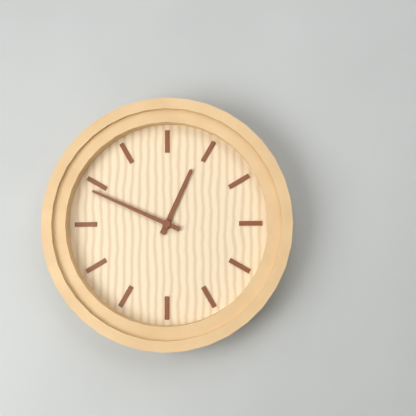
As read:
**12:49**
